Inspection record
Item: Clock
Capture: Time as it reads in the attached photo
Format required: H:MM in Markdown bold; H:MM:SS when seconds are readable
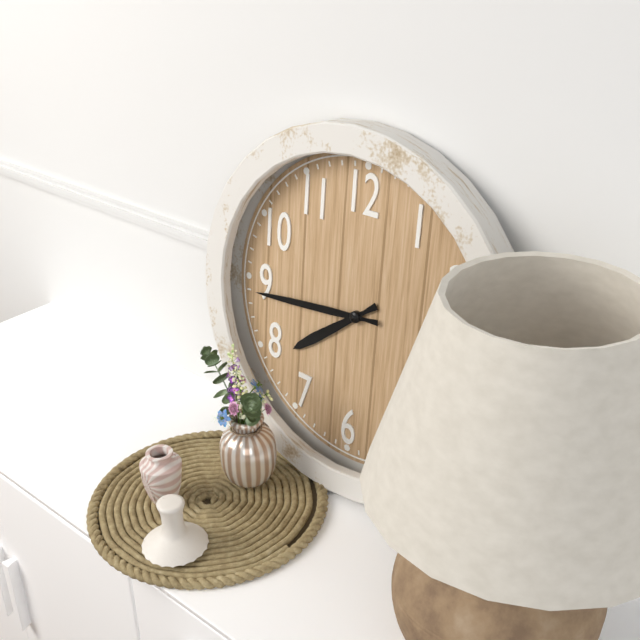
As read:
**7:44**
